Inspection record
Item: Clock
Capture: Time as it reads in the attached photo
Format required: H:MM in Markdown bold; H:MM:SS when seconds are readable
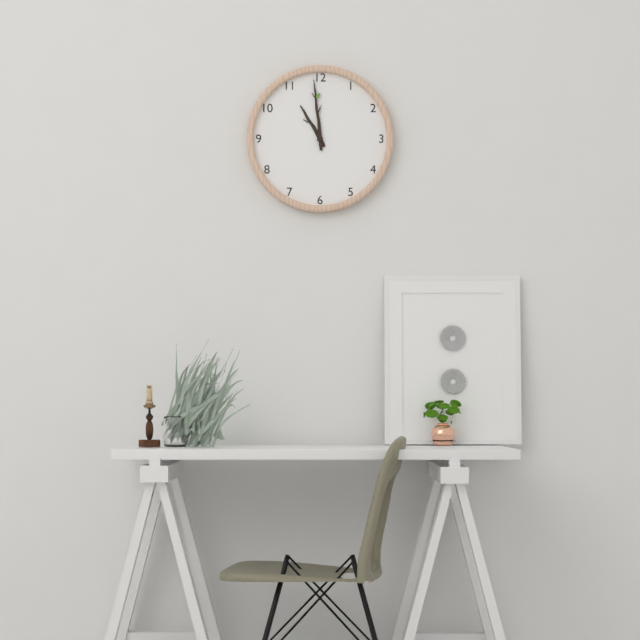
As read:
**10:59**
